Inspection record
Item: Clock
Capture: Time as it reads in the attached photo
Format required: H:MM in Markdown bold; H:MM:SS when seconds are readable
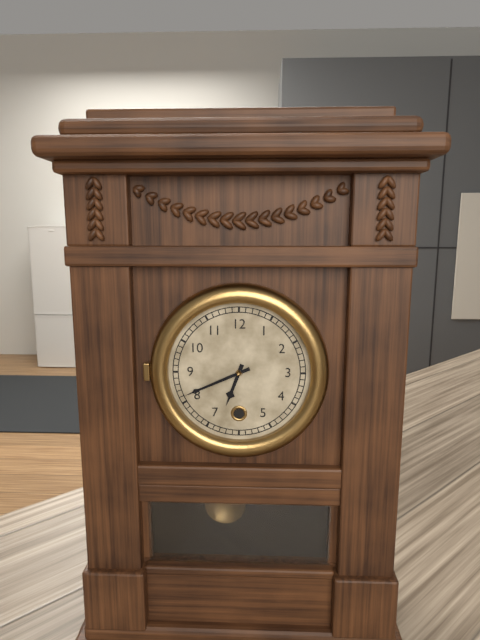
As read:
**6:41**
